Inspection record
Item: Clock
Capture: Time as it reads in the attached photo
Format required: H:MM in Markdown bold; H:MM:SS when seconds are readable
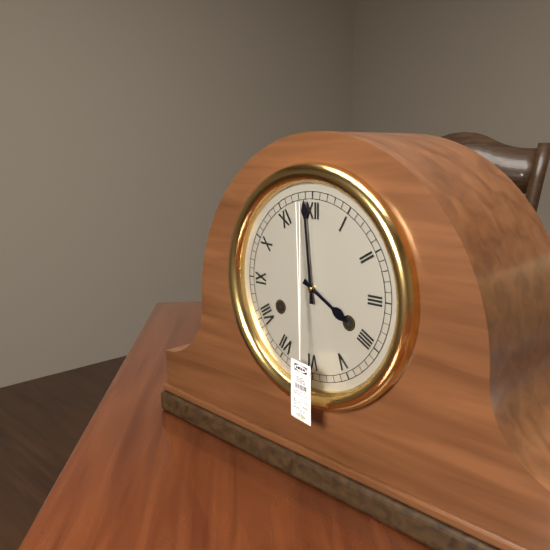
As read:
**3:59**
